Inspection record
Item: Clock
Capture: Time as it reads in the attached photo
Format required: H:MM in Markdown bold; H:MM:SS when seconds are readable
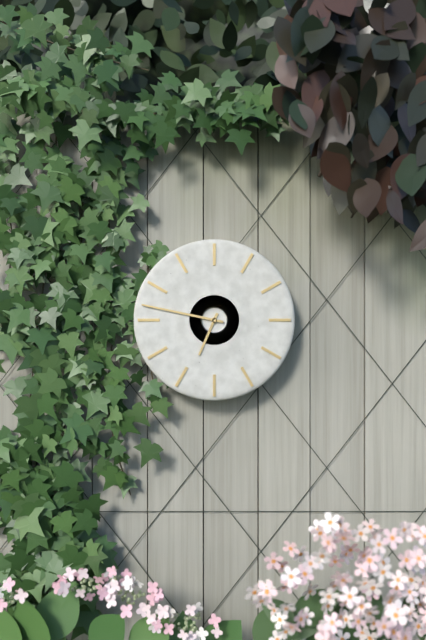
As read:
**6:47**
